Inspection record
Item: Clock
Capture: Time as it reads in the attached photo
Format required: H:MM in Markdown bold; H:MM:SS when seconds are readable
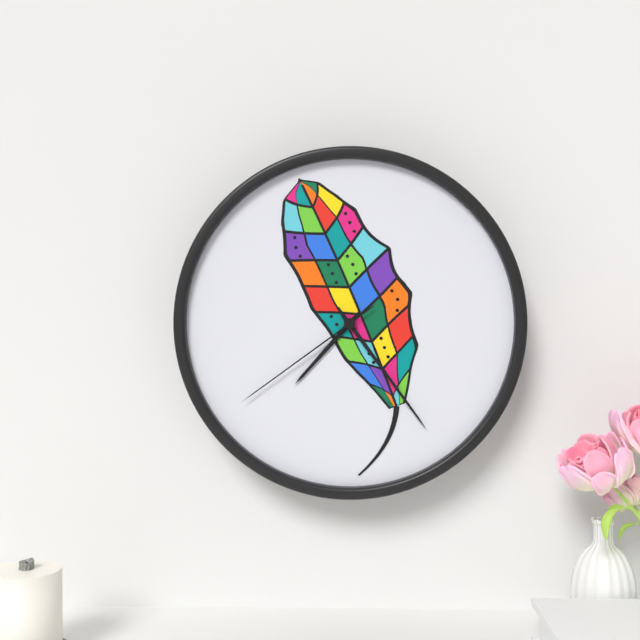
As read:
**7:24:39**
